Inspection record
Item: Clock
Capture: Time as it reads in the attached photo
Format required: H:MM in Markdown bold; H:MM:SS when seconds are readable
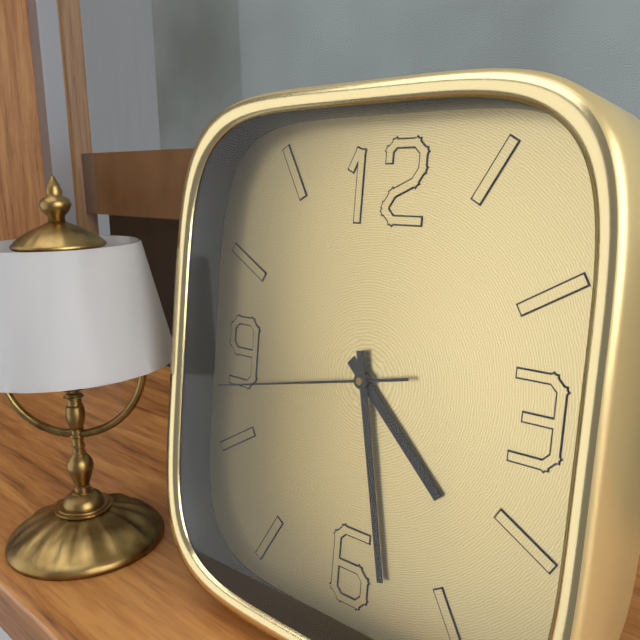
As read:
**4:28:43**
